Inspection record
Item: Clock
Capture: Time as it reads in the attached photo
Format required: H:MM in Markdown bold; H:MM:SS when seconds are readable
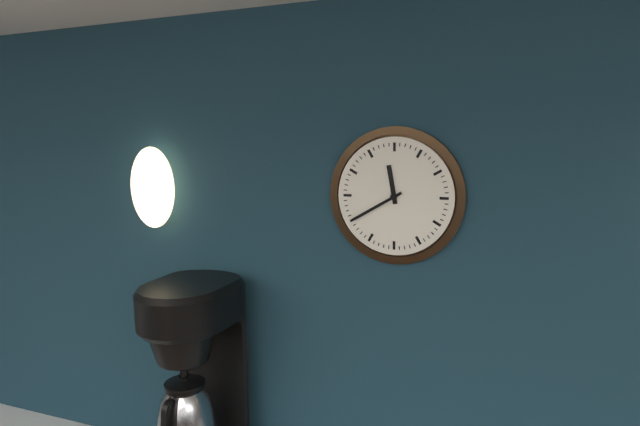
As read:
**11:40**
